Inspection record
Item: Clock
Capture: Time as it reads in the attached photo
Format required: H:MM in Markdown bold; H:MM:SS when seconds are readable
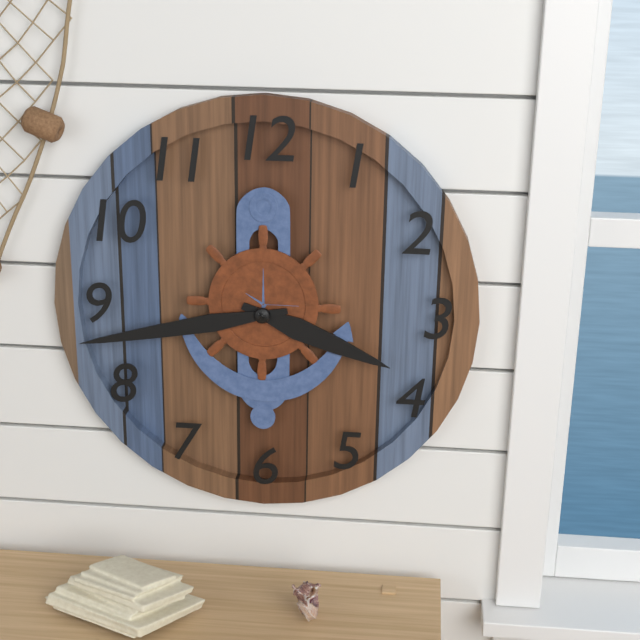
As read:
**3:43**
